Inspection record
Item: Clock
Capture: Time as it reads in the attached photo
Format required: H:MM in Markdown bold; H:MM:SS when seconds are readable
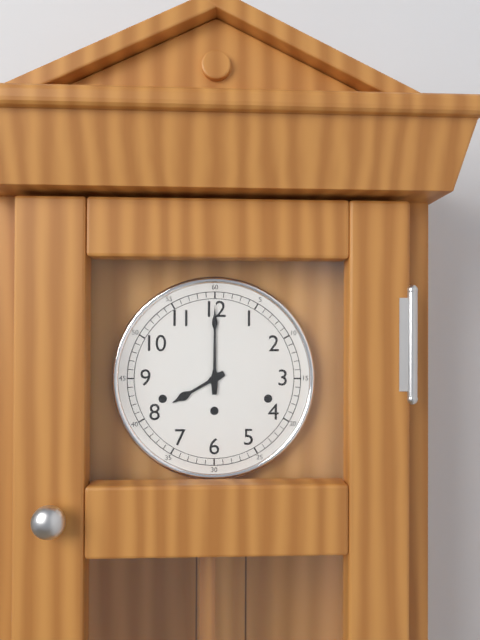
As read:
**8:00**
